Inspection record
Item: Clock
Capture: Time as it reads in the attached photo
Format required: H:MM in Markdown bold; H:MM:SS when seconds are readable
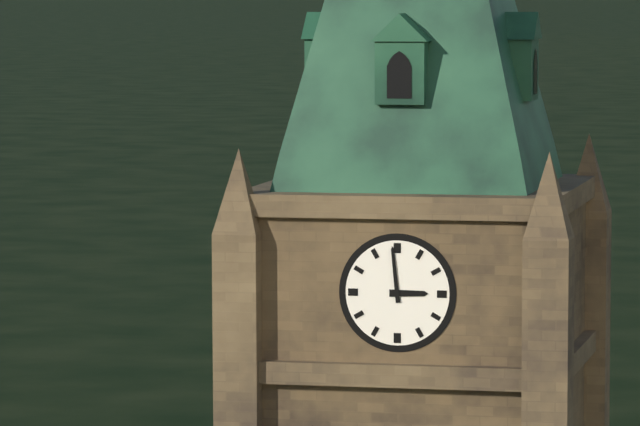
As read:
**2:59**
